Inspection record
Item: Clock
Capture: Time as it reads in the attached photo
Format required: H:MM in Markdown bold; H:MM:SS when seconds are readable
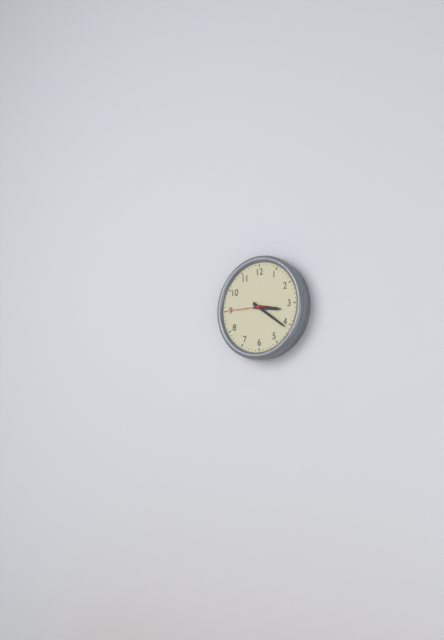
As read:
**3:21**
